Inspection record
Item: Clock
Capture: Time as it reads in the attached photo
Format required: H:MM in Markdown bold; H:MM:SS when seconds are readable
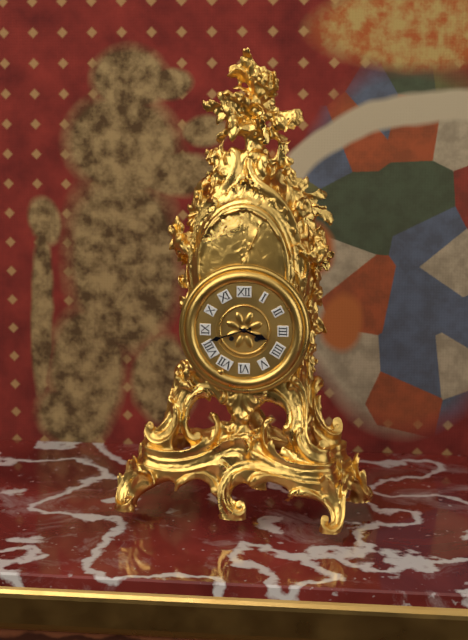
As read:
**3:42**
